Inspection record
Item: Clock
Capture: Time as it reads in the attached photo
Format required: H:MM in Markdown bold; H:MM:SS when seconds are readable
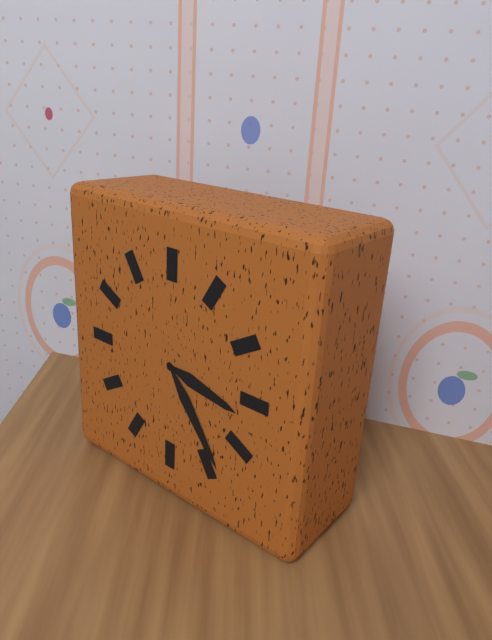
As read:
**3:24**
